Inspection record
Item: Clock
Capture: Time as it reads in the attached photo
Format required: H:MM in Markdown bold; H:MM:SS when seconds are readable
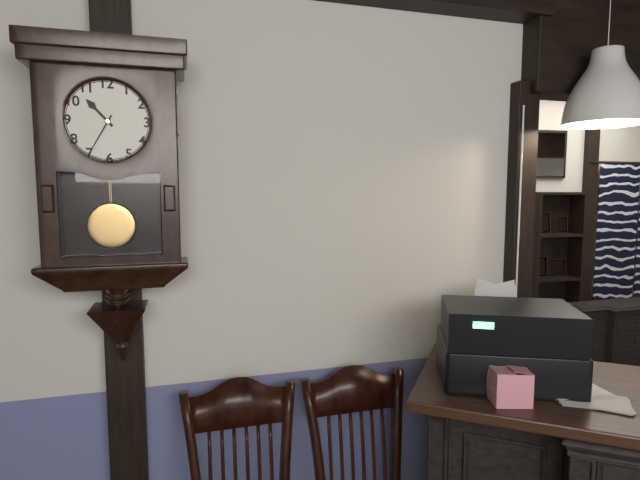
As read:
**10:35**
